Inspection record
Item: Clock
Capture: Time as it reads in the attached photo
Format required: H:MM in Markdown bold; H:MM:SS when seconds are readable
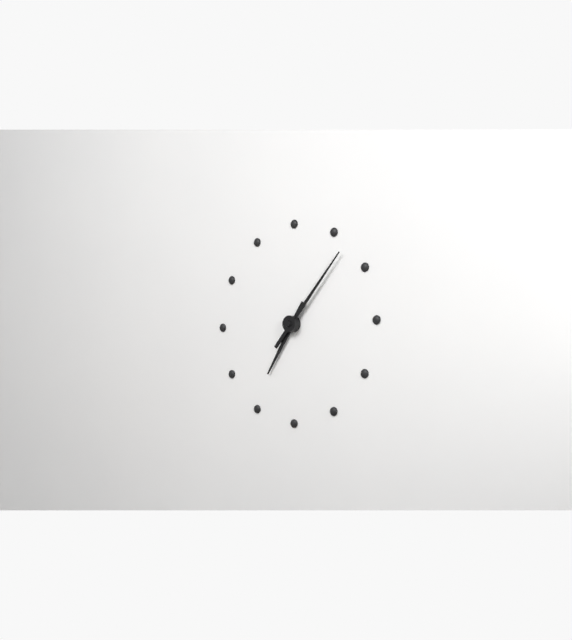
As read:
**7:07**
